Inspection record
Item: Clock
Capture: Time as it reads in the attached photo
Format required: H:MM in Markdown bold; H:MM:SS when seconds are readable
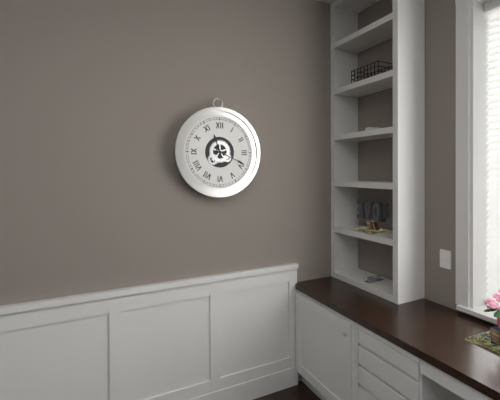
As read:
**11:19**
